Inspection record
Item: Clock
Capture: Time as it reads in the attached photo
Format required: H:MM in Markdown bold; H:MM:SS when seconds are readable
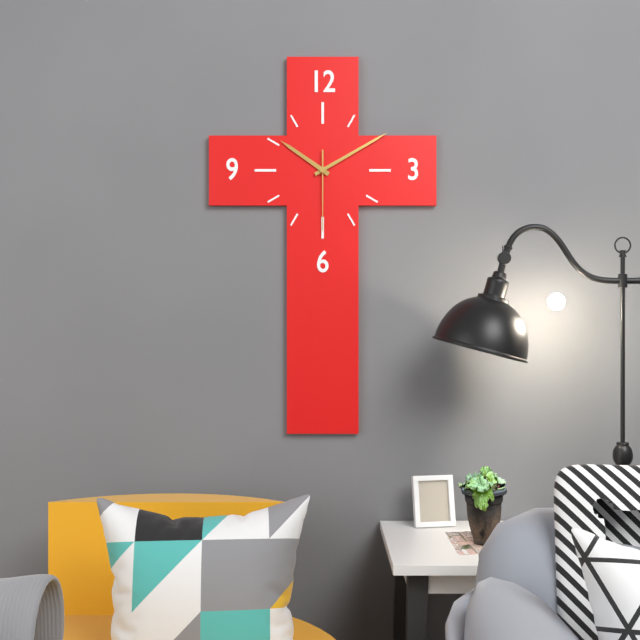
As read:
**10:10:30**
